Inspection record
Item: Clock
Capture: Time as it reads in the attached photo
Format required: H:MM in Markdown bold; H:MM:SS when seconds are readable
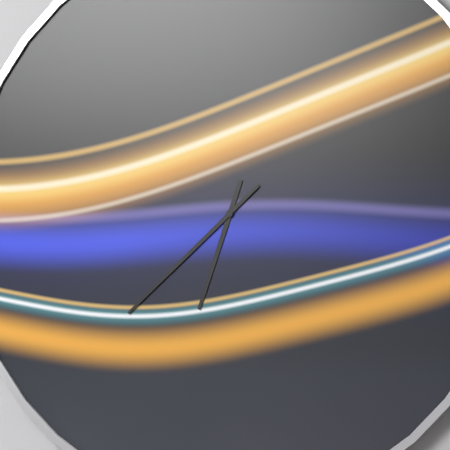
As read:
**6:38**
